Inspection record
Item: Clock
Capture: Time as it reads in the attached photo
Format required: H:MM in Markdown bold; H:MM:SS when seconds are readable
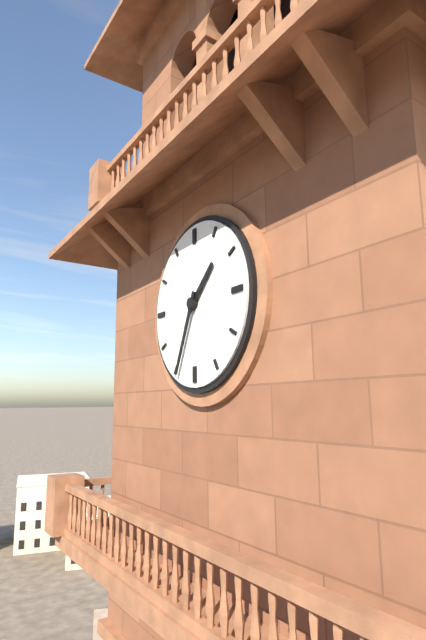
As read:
**1:34**
